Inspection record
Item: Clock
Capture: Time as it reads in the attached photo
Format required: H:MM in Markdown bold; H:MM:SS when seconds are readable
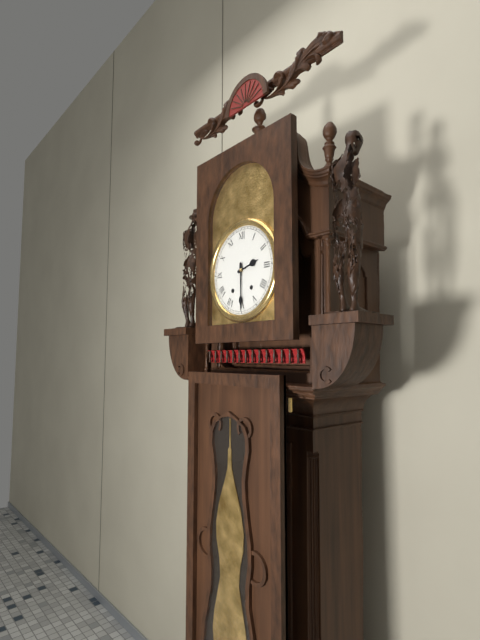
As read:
**2:30**
